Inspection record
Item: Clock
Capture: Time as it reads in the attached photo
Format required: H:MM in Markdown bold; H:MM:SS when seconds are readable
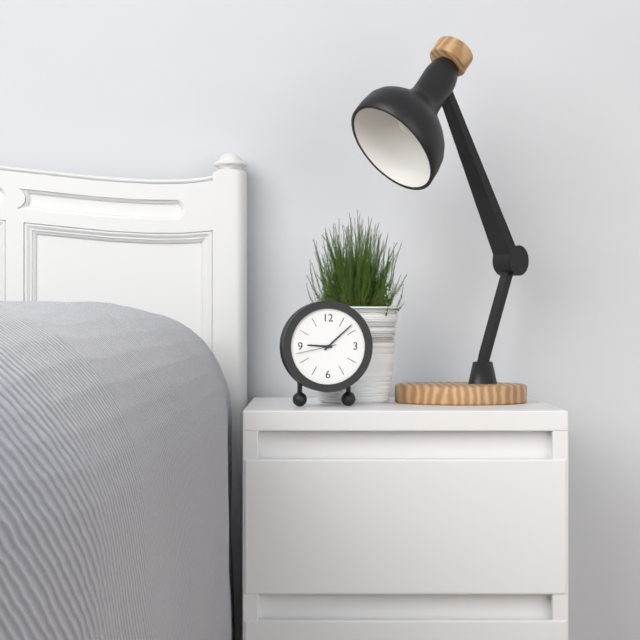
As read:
**9:08**
